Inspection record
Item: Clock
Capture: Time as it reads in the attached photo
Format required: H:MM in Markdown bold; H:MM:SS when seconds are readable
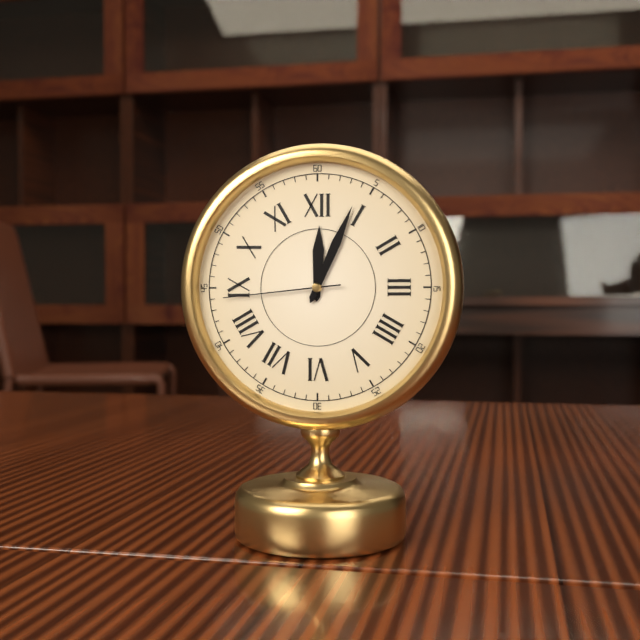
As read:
**12:04:44**
